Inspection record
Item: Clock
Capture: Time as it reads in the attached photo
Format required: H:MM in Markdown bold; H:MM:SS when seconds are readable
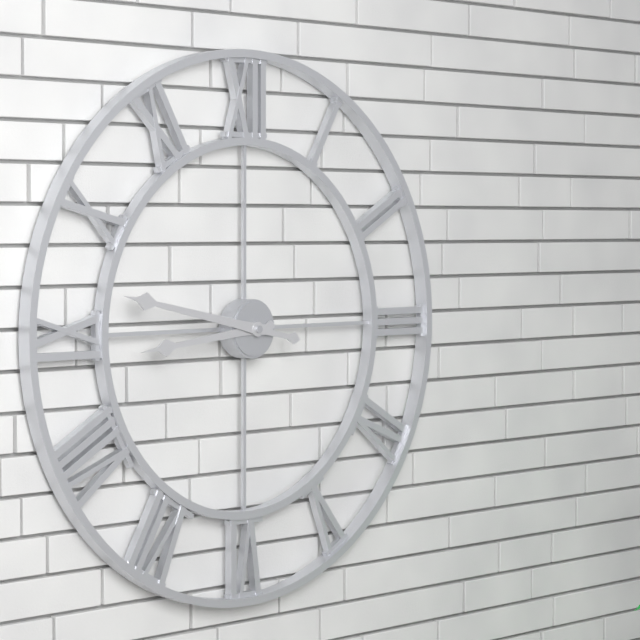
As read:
**8:47**
